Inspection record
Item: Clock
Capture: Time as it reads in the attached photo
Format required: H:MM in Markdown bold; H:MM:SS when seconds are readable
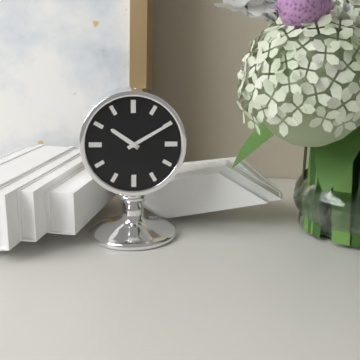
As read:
**10:10**
